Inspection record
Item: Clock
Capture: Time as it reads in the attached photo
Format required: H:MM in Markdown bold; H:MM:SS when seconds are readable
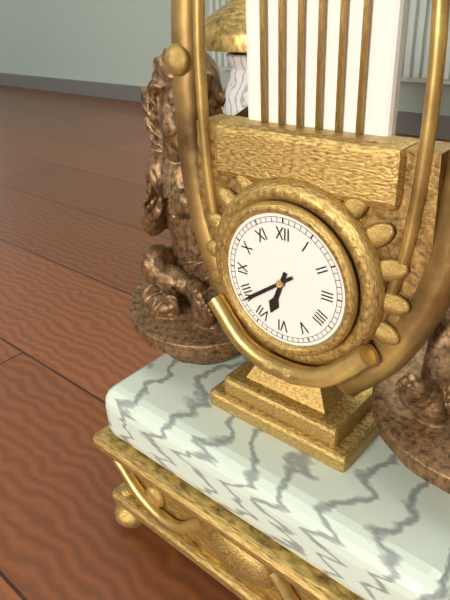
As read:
**6:39**
